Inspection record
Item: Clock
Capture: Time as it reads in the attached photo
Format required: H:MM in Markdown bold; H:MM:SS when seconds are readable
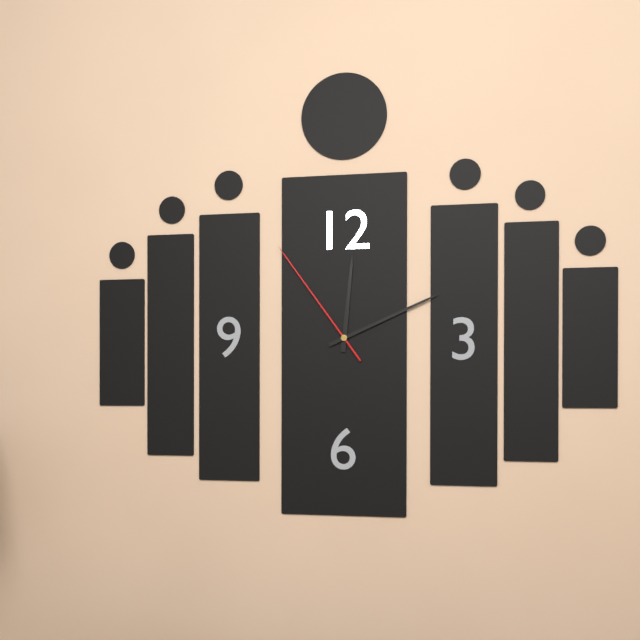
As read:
**12:11:54**
